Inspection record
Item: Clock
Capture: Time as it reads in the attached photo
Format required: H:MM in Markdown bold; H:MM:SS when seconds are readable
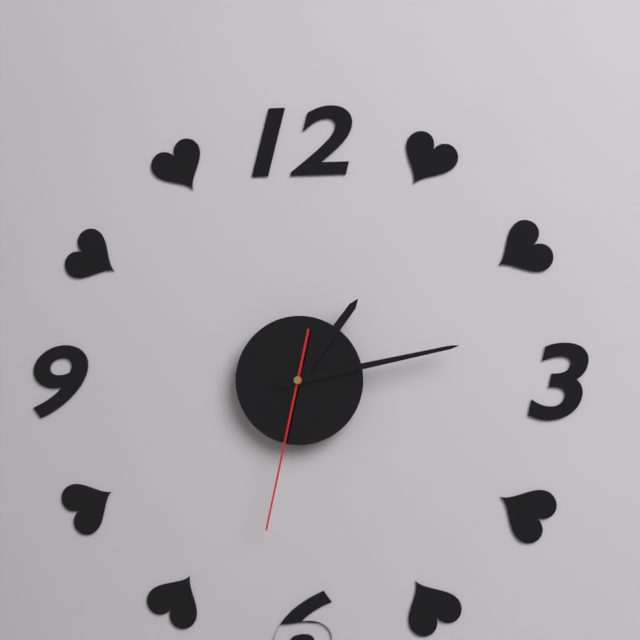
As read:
**1:13:32**
